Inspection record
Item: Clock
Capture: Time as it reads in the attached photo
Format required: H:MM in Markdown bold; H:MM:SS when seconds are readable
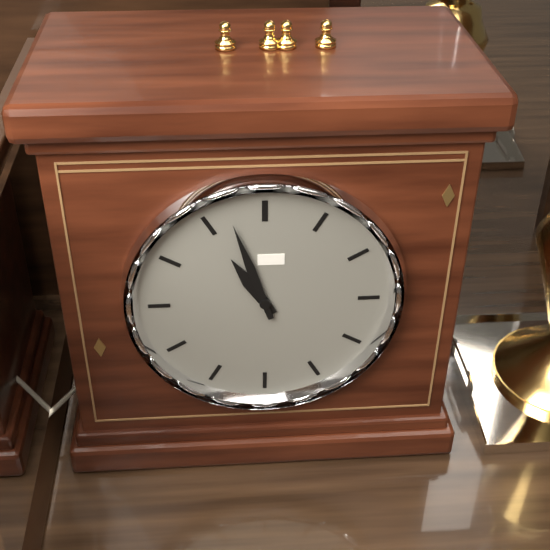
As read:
**10:57**
